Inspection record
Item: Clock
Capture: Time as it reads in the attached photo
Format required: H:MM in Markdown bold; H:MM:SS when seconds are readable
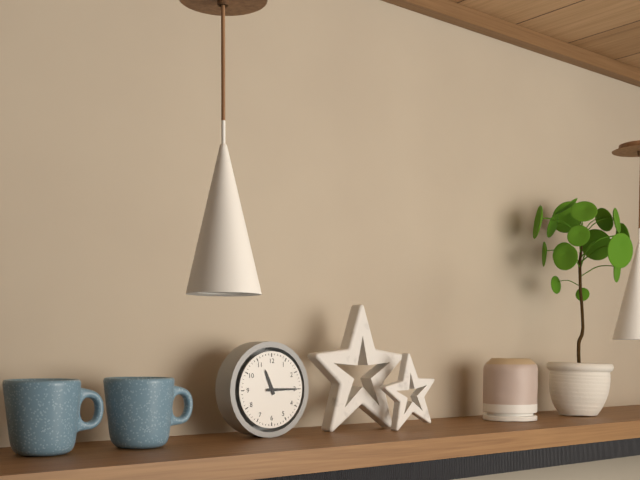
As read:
**11:15**
